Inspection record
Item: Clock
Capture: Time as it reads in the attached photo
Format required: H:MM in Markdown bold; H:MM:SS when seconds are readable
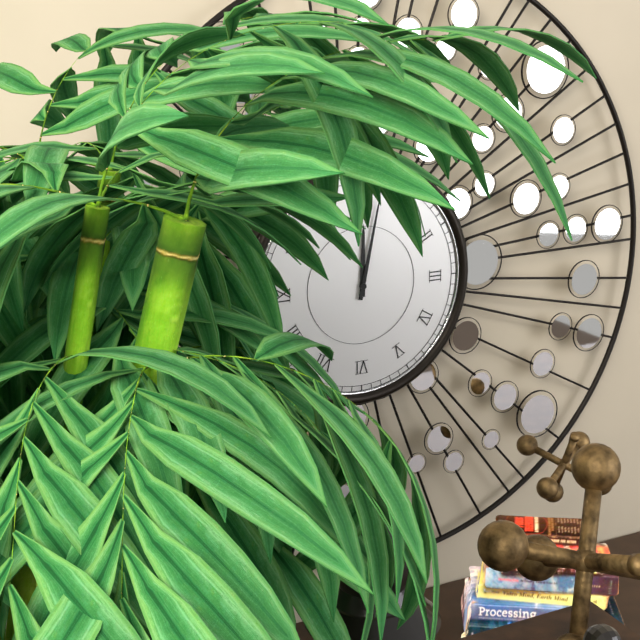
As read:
**12:02**
